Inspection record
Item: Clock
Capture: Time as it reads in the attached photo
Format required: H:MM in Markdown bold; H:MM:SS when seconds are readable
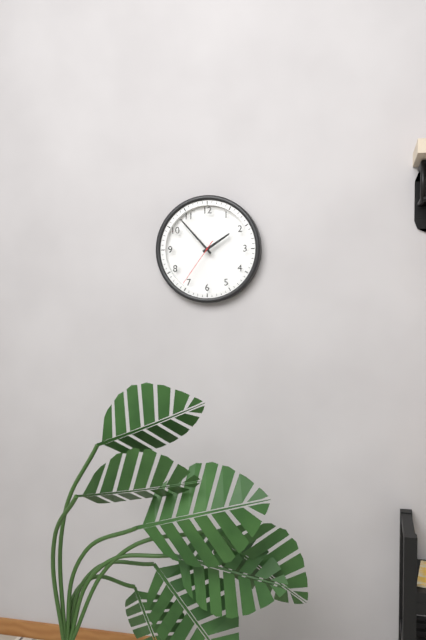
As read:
**1:53:36**
